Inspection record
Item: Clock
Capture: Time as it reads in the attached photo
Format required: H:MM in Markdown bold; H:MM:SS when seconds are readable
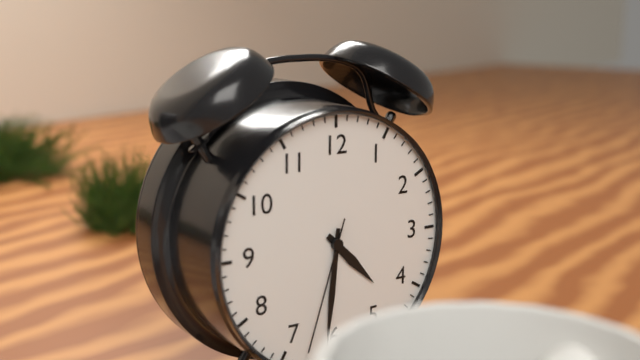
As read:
**4:31:33**
